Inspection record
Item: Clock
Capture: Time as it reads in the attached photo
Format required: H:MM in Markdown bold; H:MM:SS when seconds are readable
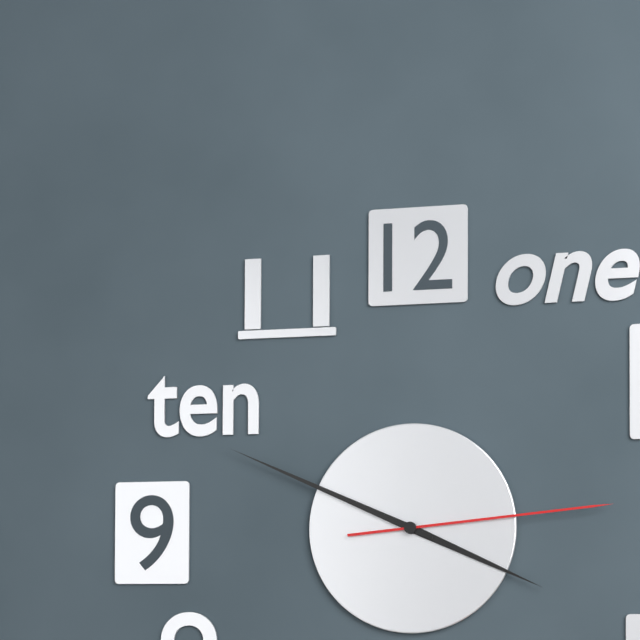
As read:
**3:49:14**
